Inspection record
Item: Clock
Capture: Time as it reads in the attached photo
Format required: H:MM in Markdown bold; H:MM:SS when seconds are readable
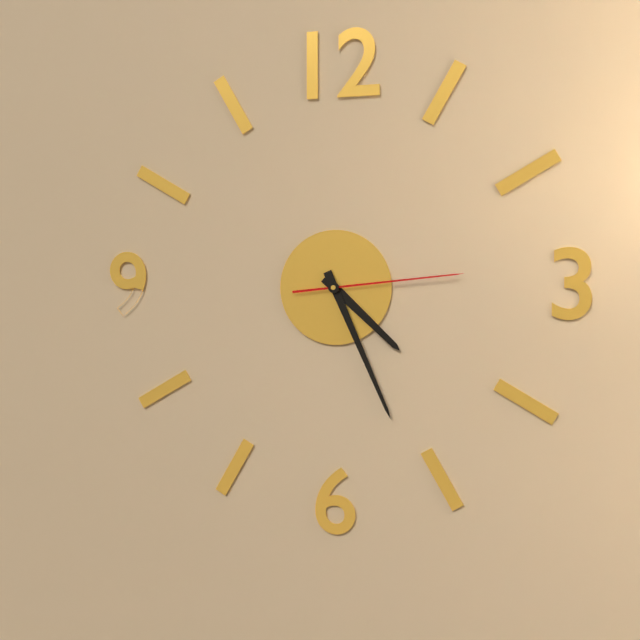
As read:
**4:26:14**
